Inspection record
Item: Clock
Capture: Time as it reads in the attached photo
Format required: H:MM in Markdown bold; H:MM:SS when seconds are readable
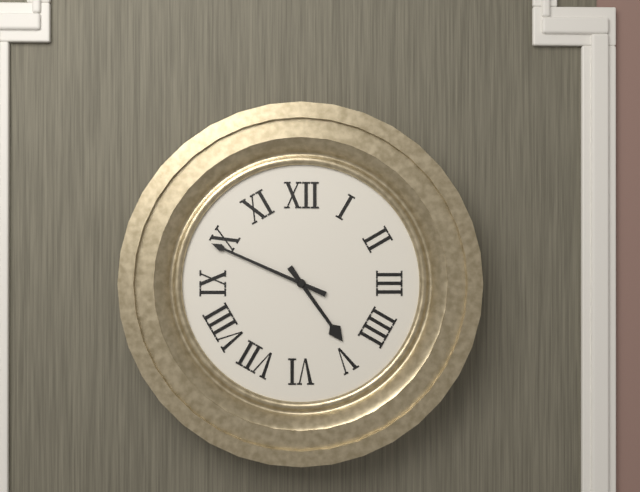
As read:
**4:49**
